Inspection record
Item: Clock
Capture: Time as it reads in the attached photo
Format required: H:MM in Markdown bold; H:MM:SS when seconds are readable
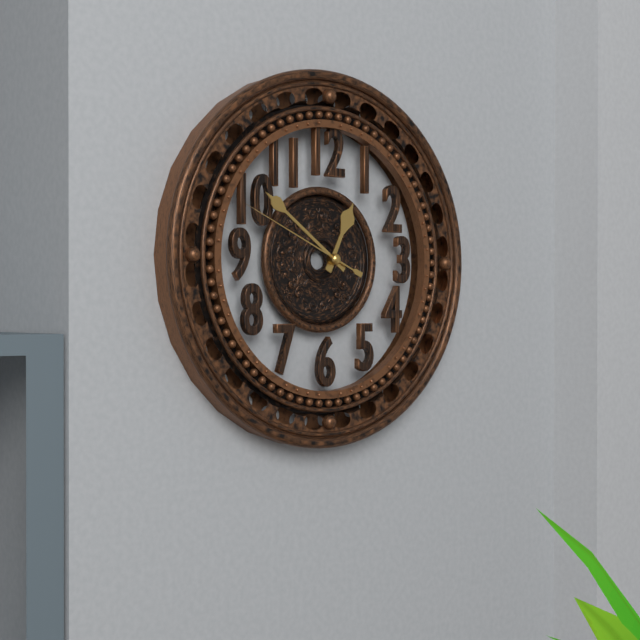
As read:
**12:51:49**
